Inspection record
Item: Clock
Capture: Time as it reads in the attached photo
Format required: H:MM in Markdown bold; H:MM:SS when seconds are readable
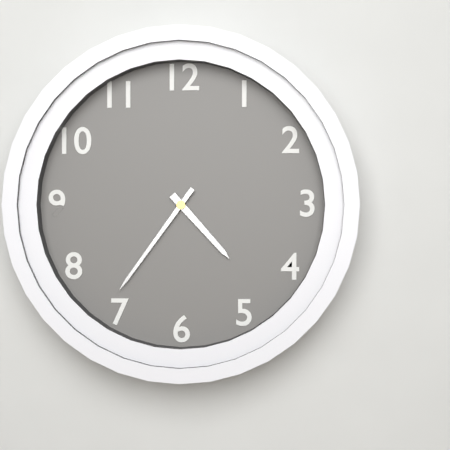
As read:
**4:36**
